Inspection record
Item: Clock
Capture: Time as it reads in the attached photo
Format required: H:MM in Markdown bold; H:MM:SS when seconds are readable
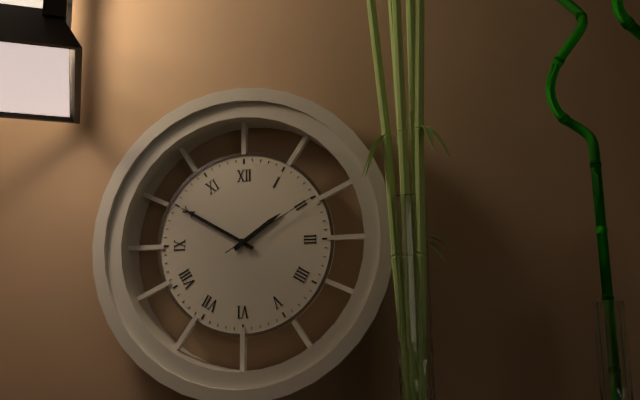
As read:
**1:50:10**
